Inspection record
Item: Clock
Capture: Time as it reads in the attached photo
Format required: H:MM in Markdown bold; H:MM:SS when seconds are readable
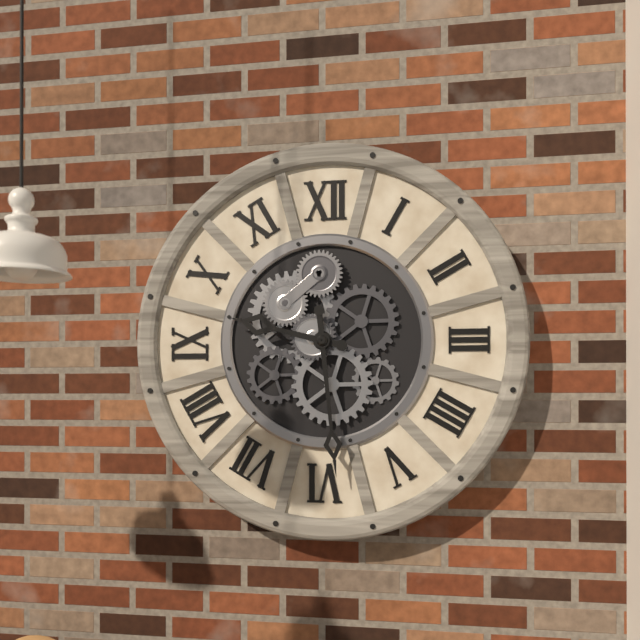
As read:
**9:29**
